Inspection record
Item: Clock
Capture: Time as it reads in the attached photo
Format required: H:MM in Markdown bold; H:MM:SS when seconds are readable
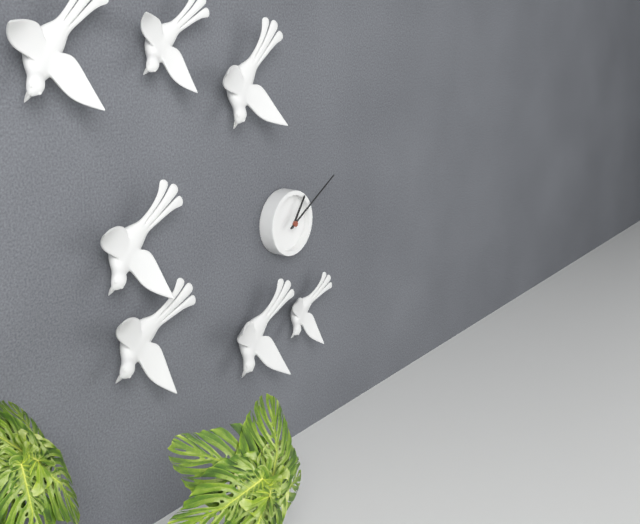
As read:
**1:10**
